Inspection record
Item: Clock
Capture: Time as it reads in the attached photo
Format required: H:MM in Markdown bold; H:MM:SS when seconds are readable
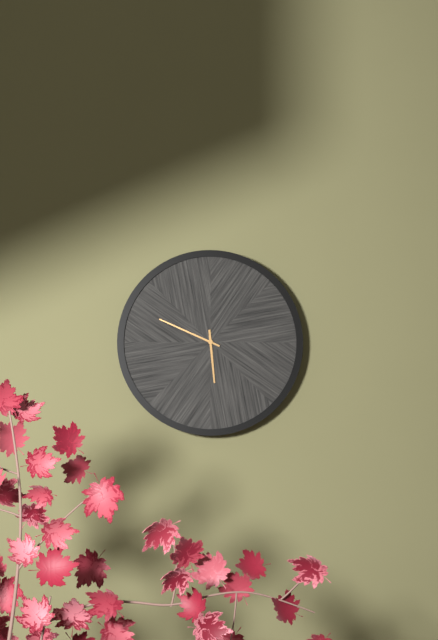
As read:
**5:49**
